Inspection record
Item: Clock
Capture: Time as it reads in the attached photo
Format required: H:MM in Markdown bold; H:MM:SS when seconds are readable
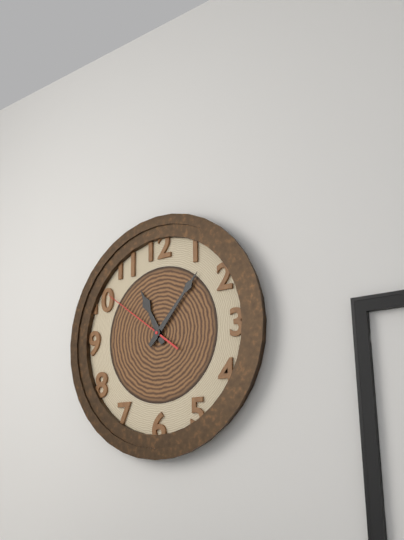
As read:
**11:07:51**
